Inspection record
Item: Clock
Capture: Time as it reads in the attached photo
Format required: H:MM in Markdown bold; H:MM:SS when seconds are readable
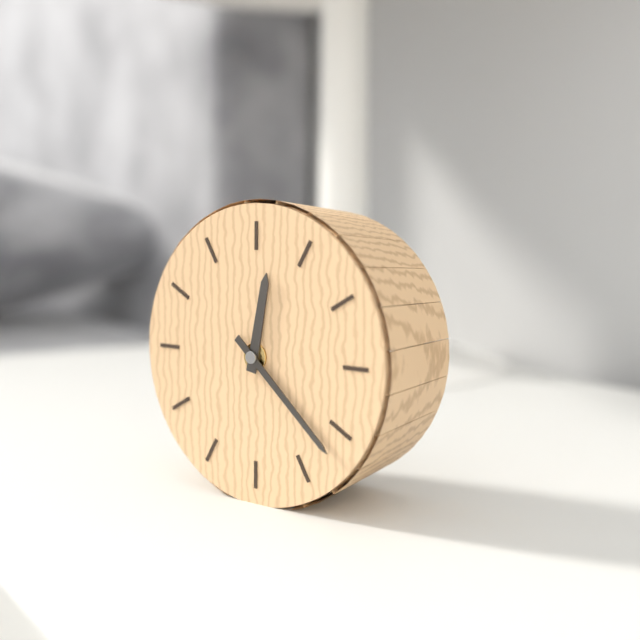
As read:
**12:22**
